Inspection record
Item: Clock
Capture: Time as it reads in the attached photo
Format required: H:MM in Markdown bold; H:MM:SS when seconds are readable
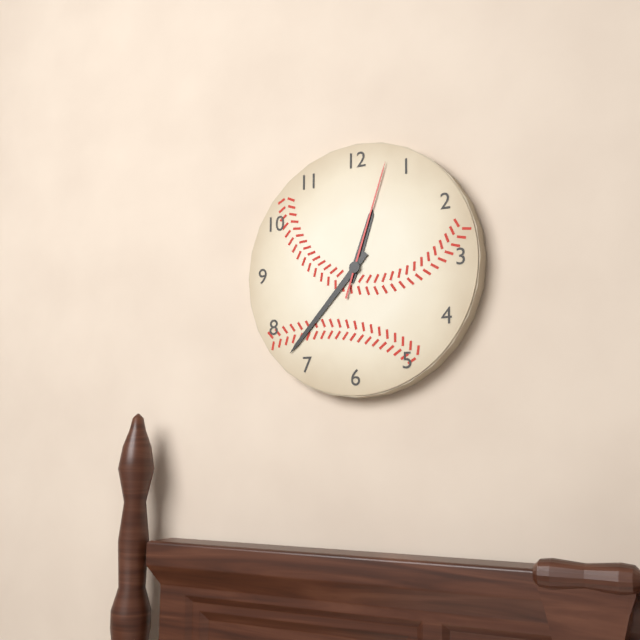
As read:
**12:37:03**
